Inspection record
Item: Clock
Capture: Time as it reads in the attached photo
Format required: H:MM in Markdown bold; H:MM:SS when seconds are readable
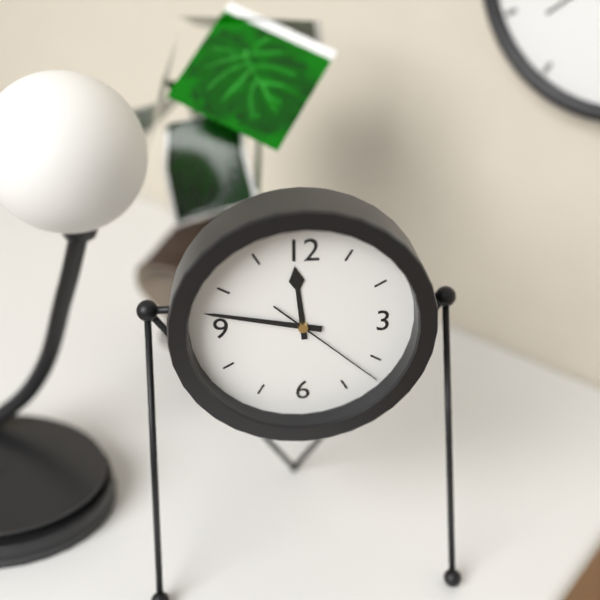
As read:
**11:47:22**
